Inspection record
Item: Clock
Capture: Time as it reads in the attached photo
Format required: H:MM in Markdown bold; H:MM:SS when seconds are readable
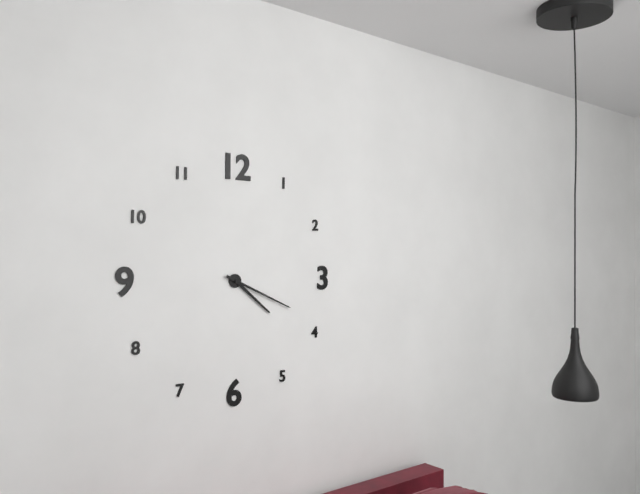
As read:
**4:19**
